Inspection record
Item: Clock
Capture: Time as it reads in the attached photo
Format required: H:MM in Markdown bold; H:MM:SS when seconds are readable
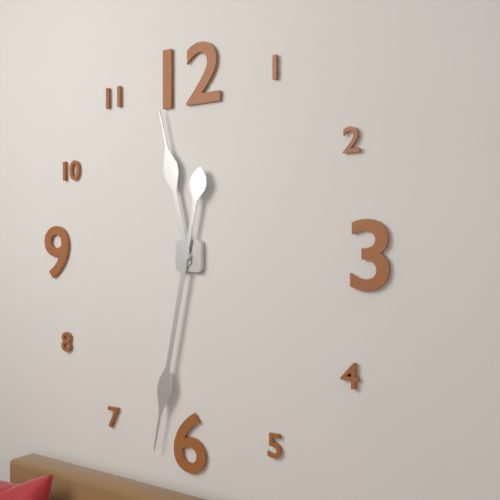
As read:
**11:32**
